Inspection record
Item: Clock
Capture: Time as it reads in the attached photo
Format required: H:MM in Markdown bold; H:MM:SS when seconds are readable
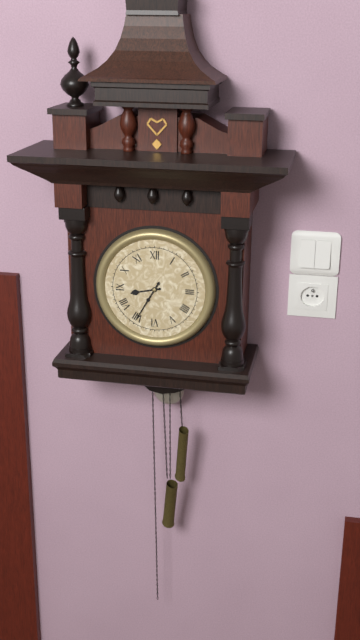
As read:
**8:35**
